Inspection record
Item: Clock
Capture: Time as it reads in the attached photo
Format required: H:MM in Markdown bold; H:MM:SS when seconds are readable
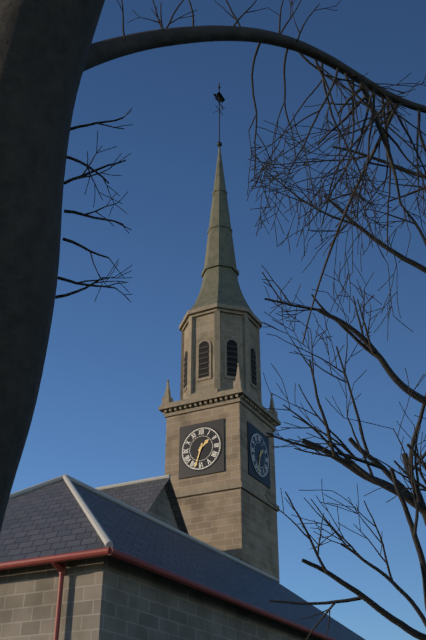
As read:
**1:33**
